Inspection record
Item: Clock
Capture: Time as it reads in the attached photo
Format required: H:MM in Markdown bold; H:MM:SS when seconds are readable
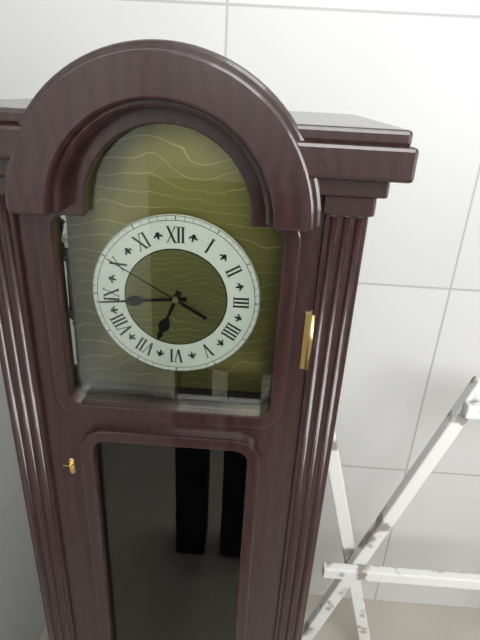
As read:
**6:44:50**
